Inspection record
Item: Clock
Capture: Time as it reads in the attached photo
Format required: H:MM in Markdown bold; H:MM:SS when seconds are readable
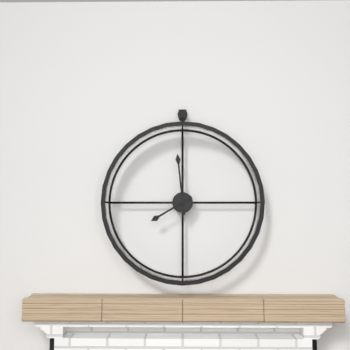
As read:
**7:59**
